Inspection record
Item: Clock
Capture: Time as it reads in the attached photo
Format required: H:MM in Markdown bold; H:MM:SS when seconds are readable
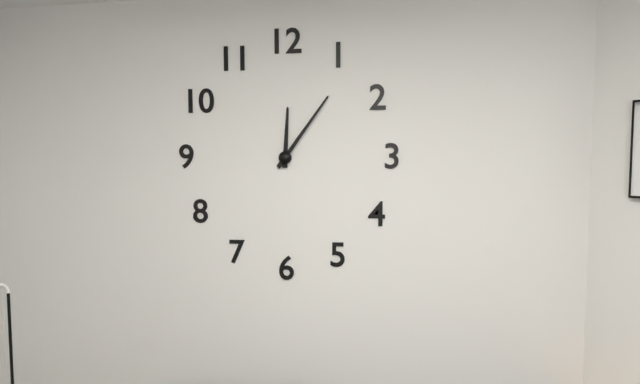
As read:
**12:06**
